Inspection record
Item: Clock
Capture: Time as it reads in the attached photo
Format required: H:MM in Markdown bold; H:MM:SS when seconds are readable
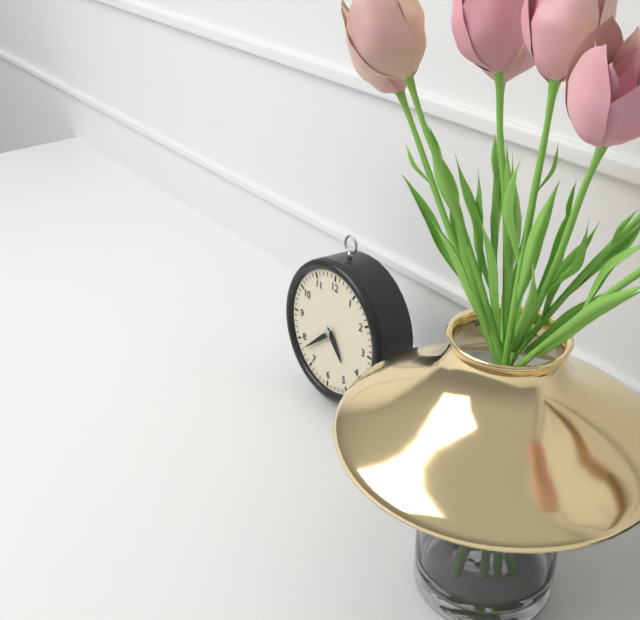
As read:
**4:38**
